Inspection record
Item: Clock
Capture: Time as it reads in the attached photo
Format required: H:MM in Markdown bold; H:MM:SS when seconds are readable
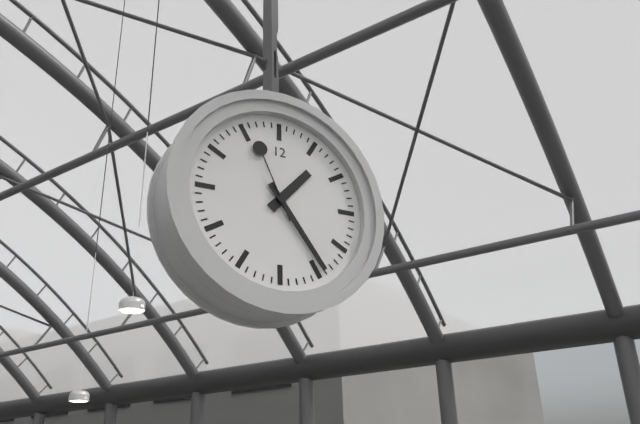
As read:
**1:24:56**
